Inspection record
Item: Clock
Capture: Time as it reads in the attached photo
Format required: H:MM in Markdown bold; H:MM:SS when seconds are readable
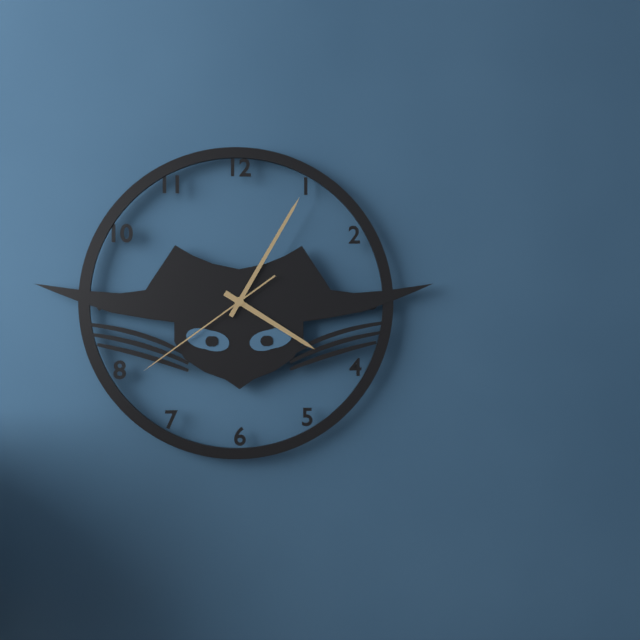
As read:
**4:05:39**
